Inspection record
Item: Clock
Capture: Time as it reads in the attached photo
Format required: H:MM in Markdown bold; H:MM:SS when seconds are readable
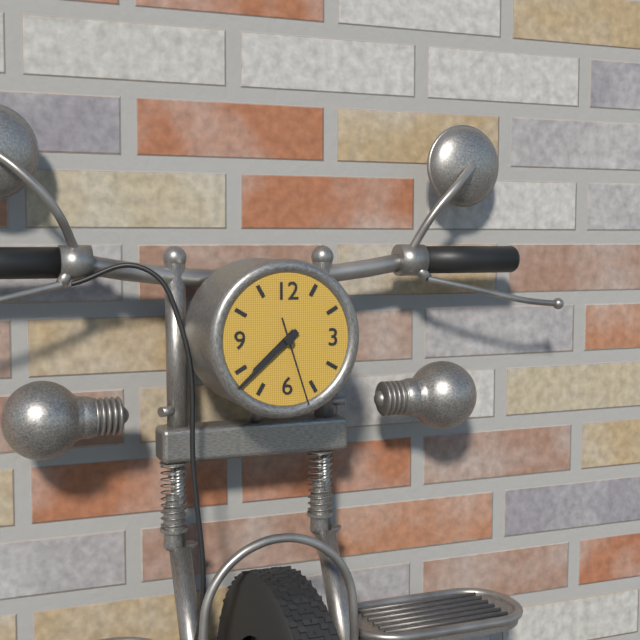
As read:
**7:38:27**
